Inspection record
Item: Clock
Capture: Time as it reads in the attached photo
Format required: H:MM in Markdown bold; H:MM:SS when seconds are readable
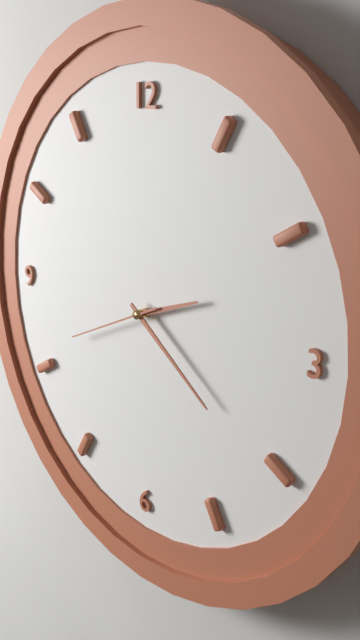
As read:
**2:21:41**
